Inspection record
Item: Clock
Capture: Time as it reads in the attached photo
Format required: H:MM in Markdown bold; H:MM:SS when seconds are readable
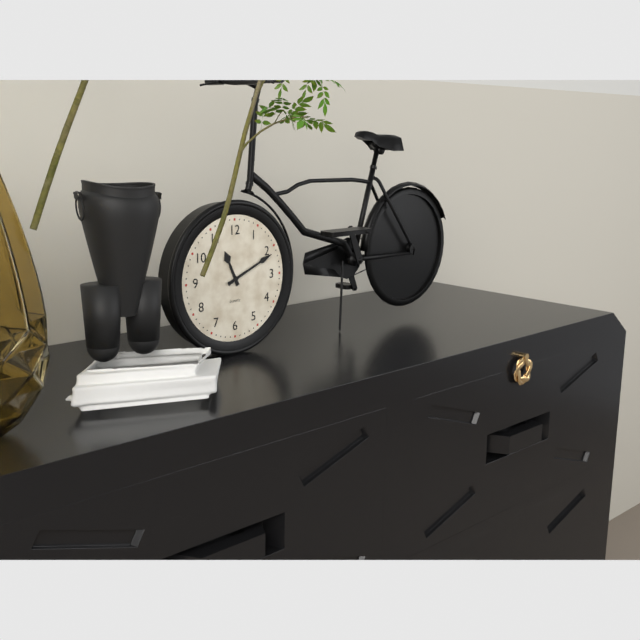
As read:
**11:11**
